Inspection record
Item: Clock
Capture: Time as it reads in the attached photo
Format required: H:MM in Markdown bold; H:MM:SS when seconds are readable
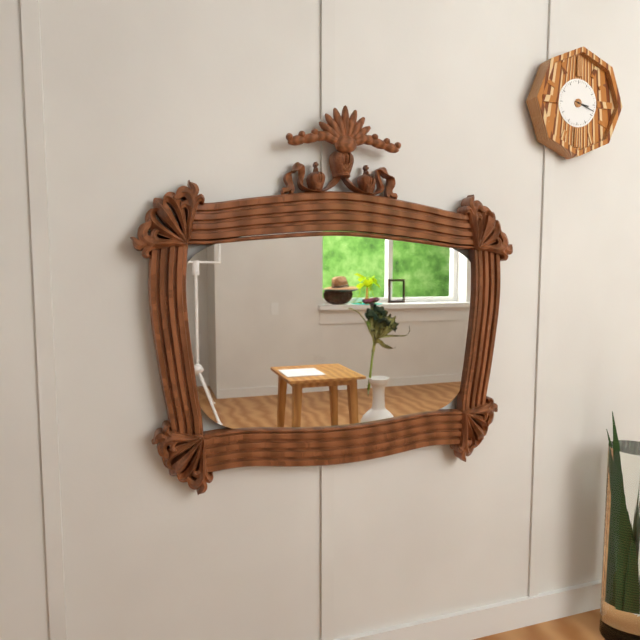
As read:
**3:18**
